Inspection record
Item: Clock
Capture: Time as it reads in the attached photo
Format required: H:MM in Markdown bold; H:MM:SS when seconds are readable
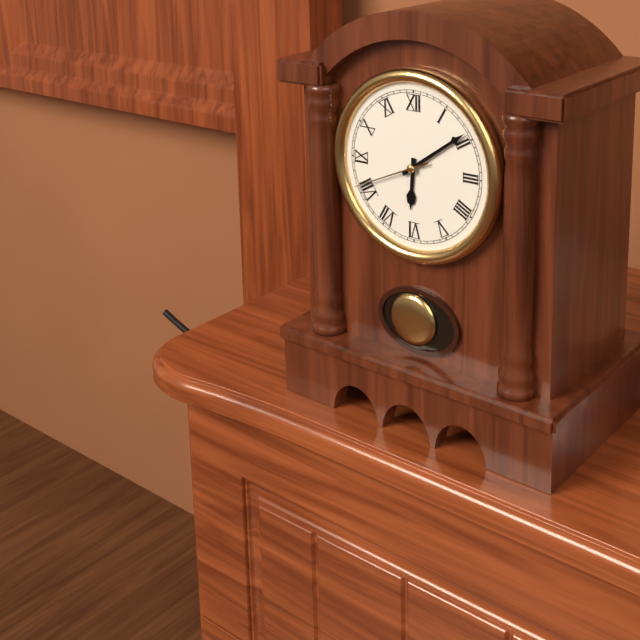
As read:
**6:09:41**
